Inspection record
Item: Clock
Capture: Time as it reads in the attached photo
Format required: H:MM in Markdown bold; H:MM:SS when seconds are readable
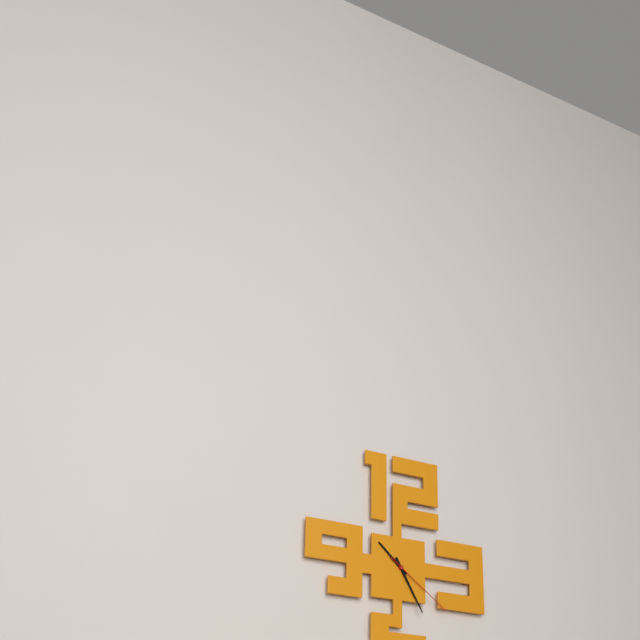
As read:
**10:25:21**
